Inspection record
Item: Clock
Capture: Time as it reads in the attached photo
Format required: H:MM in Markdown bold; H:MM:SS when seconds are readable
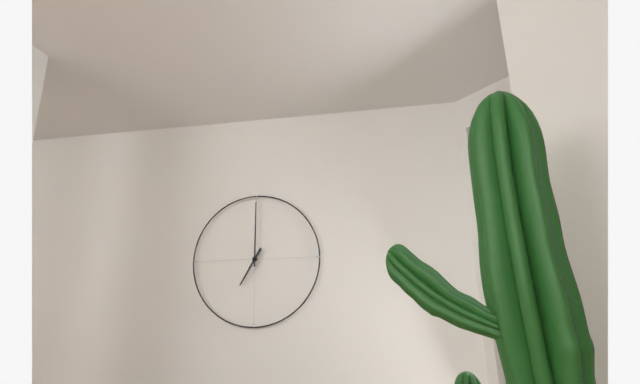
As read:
**7:00**
